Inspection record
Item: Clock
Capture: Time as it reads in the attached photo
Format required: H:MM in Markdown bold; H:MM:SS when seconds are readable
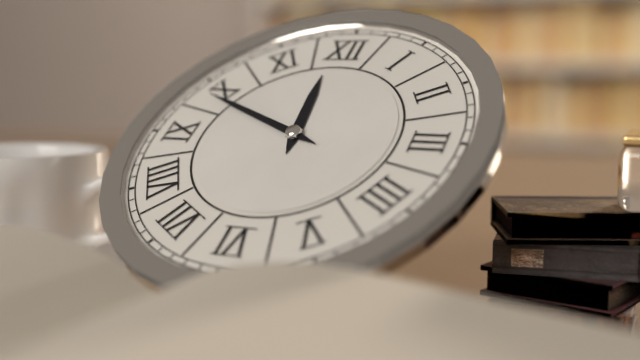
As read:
**11:49**
